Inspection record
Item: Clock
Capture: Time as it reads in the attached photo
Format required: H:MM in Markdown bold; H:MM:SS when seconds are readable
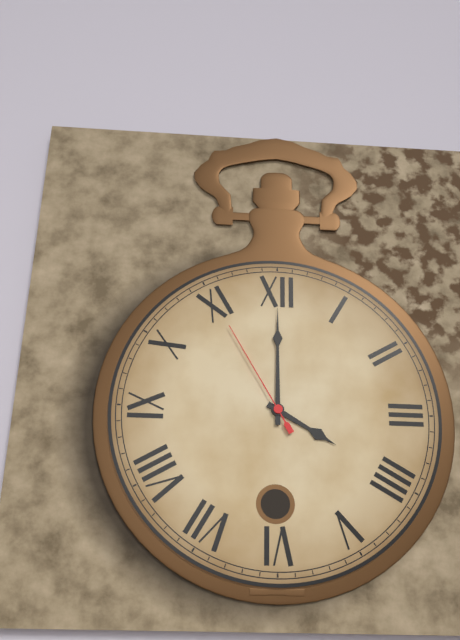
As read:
**4:00:55**
